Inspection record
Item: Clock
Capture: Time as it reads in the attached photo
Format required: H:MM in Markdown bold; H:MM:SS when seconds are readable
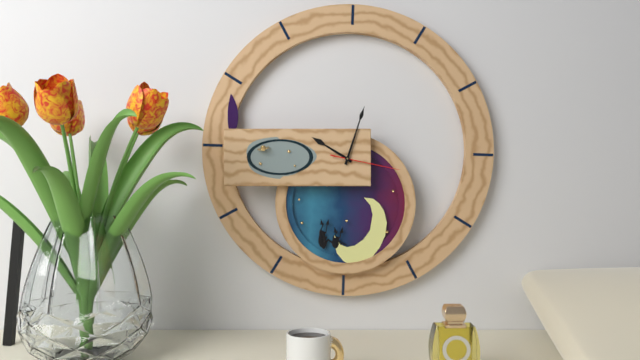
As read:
**10:03:17**
